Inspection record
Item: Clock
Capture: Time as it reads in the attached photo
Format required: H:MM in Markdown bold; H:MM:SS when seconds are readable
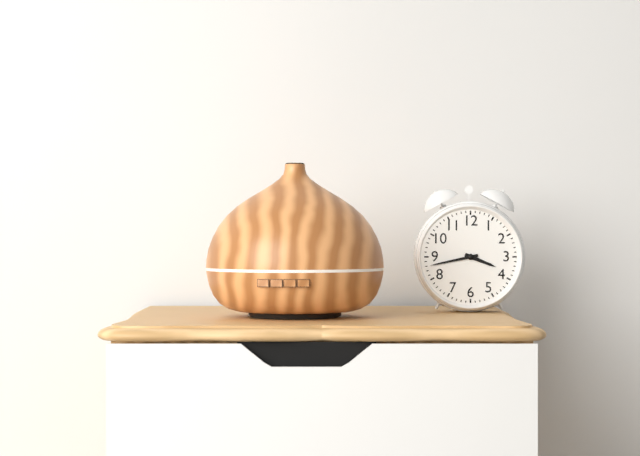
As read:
**3:43**
